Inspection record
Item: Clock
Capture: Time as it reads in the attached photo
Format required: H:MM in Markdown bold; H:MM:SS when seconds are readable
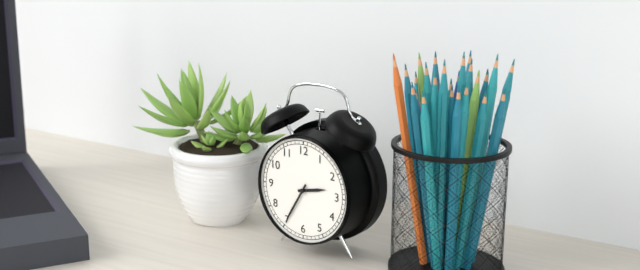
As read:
**2:35**
